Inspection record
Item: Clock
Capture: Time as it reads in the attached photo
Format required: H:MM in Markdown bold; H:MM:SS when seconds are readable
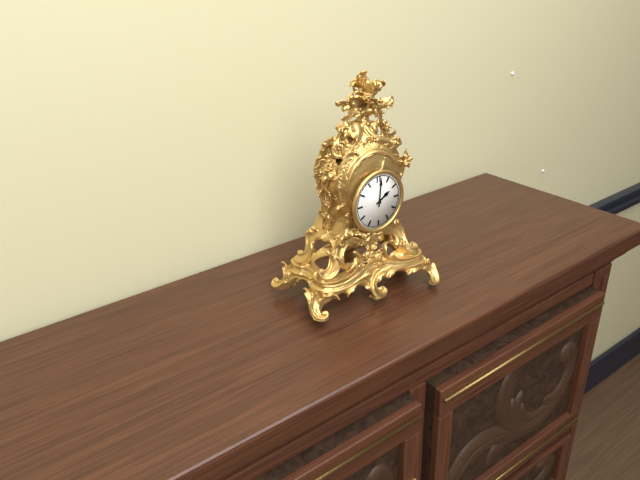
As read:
**2:01**
